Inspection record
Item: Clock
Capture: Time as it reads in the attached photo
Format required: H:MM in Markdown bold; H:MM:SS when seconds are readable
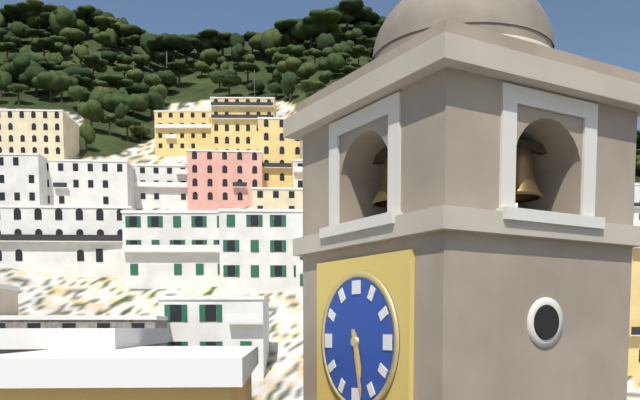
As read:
**5:28**
